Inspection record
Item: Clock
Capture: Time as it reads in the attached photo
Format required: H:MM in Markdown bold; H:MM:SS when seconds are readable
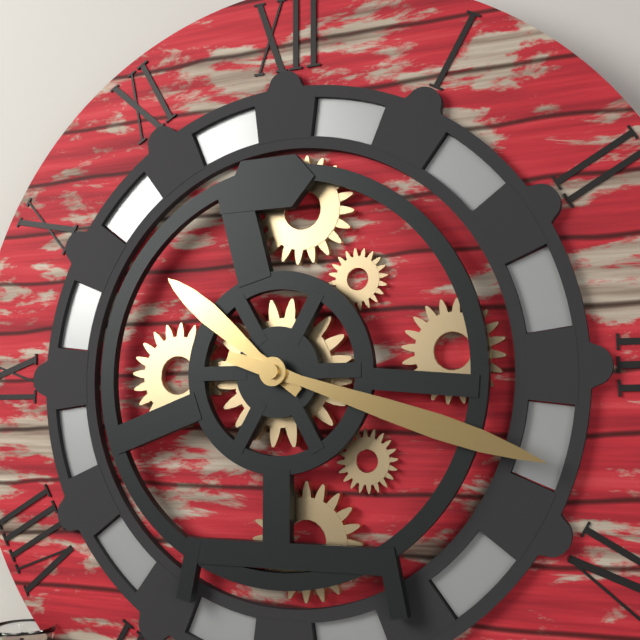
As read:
**10:18**
